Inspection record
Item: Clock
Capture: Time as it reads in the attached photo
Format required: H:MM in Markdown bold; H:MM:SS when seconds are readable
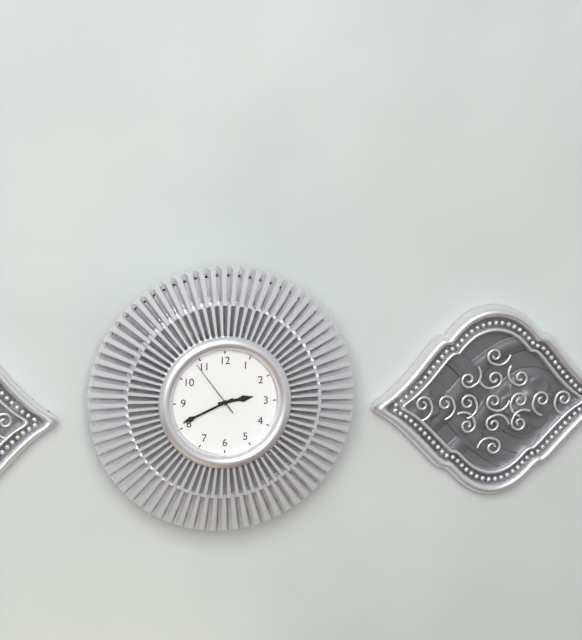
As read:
**2:41:54**
